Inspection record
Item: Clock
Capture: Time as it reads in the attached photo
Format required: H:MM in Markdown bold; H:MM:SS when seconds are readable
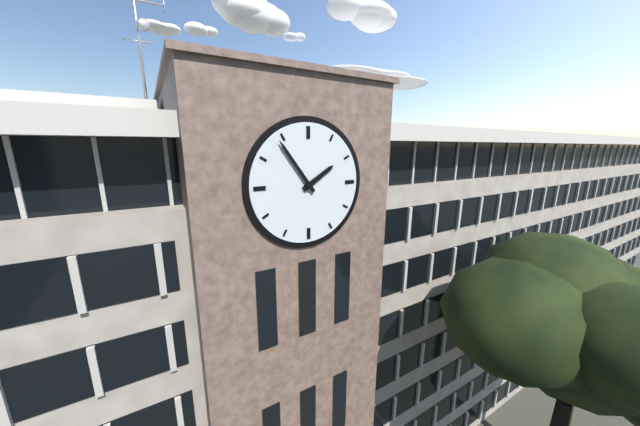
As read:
**1:54**
